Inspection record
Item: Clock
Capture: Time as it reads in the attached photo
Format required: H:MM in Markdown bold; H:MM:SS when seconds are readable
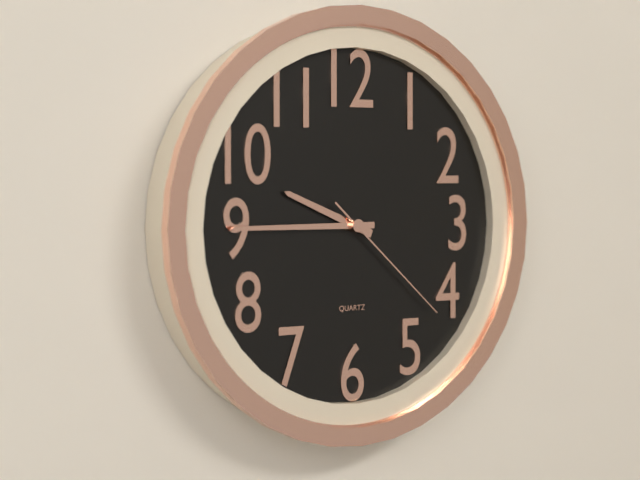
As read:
**9:45:22**
